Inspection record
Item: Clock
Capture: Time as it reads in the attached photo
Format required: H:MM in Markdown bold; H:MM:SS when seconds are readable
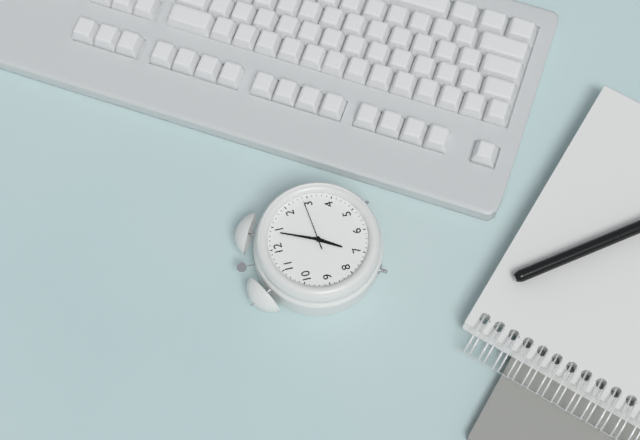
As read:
**7:04:14**
